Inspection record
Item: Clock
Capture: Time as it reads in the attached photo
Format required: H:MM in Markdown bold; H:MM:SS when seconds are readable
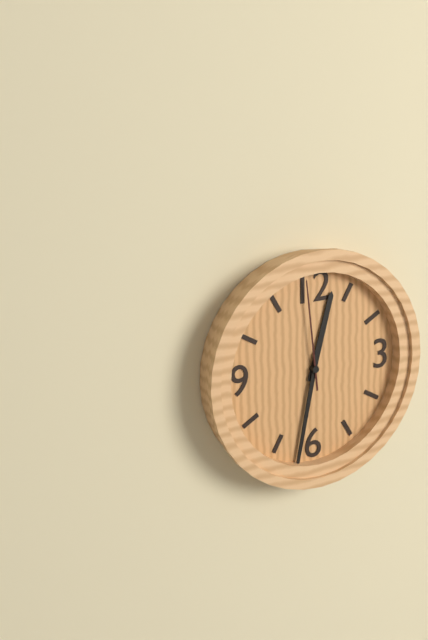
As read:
**12:32:59**
